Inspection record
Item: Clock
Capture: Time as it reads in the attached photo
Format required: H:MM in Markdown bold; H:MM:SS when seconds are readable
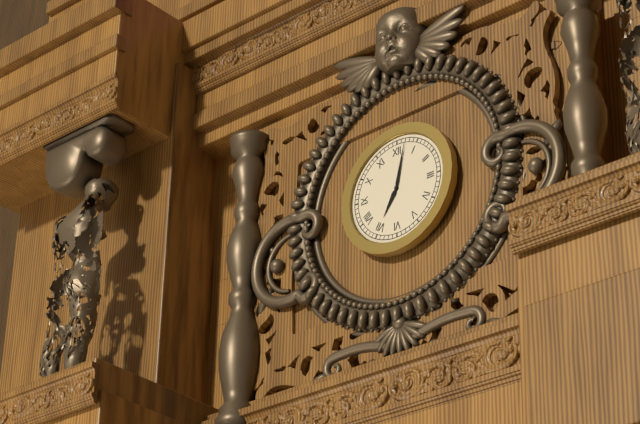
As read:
**7:02**
